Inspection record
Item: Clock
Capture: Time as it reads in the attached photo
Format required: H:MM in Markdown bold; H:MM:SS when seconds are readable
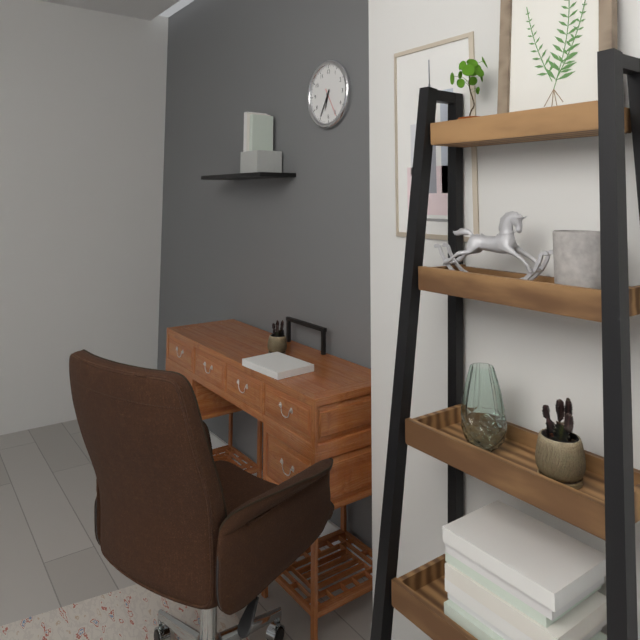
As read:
**6:35**
